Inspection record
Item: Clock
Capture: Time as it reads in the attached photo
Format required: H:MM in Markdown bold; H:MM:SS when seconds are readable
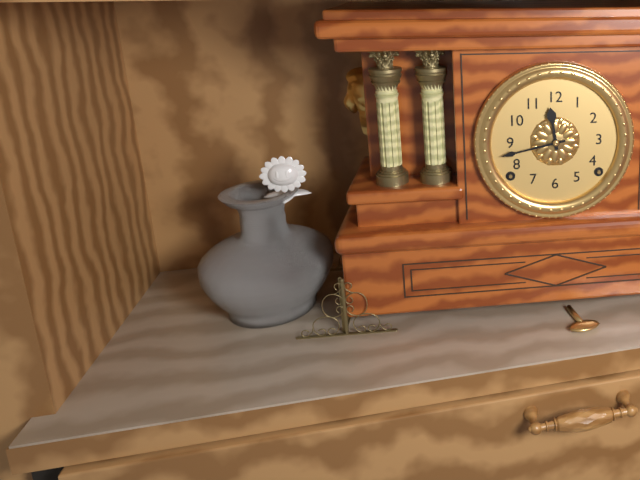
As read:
**11:43**
